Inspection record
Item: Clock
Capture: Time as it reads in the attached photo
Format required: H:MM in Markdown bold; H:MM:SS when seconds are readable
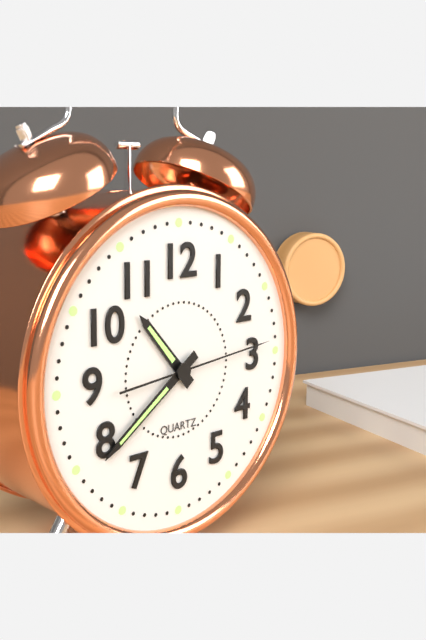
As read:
**10:39:14**
